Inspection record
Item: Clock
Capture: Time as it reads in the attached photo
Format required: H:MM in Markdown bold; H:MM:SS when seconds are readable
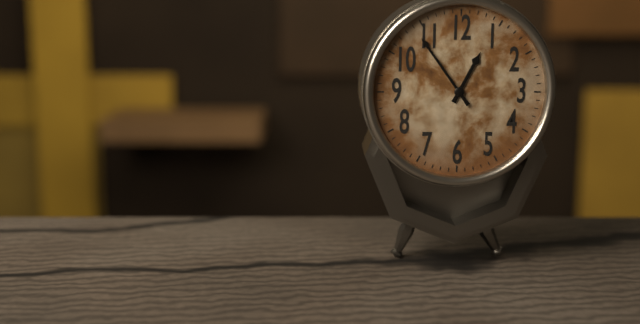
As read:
**12:54**
